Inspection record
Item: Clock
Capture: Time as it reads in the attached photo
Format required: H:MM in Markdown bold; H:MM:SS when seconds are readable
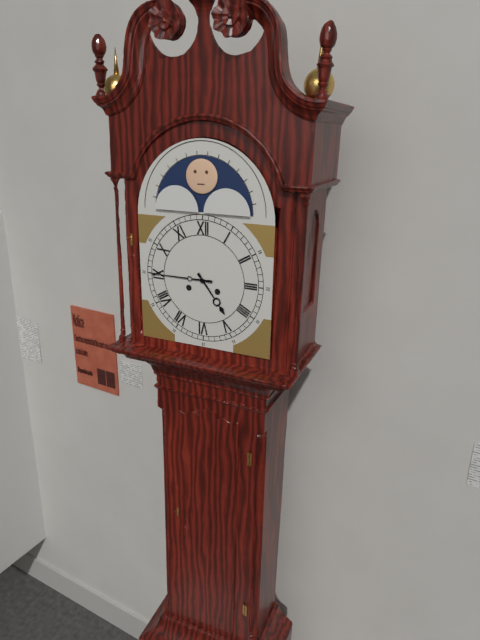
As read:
**4:45**
